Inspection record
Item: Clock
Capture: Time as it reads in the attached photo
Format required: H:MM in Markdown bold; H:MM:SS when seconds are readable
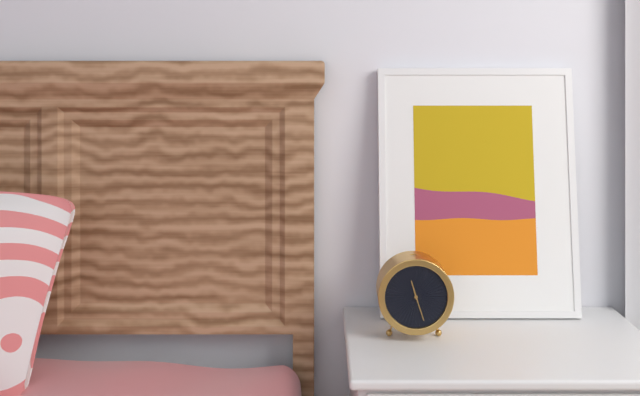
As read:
**11:27**
